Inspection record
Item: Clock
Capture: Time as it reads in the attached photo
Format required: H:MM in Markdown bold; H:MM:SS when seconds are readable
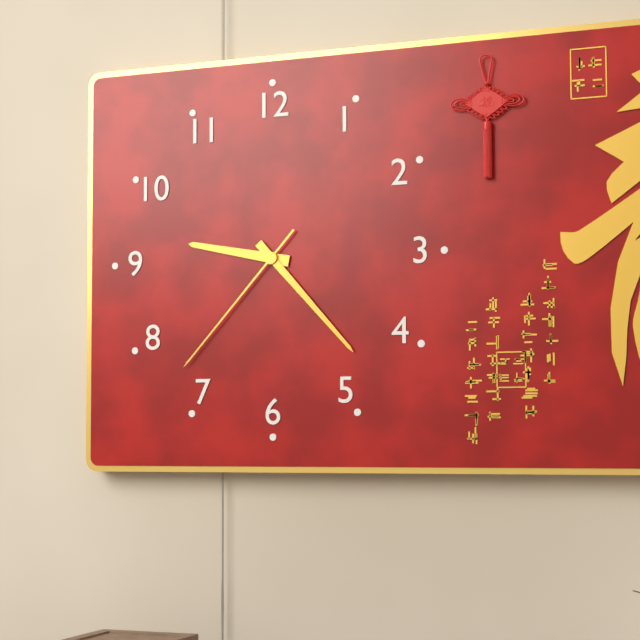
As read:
**9:23:37**
